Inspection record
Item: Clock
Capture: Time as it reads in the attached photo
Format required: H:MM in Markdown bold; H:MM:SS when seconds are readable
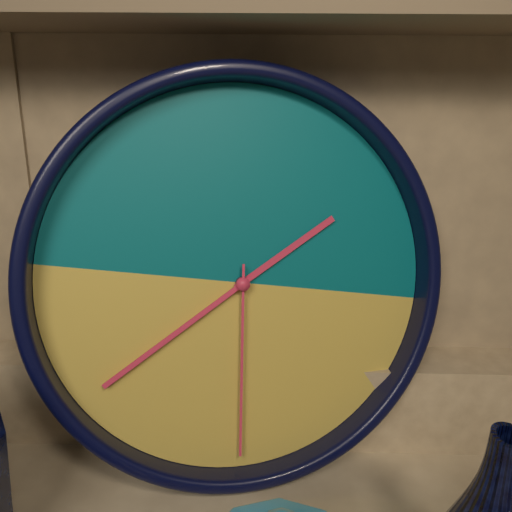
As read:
**1:38:29**
